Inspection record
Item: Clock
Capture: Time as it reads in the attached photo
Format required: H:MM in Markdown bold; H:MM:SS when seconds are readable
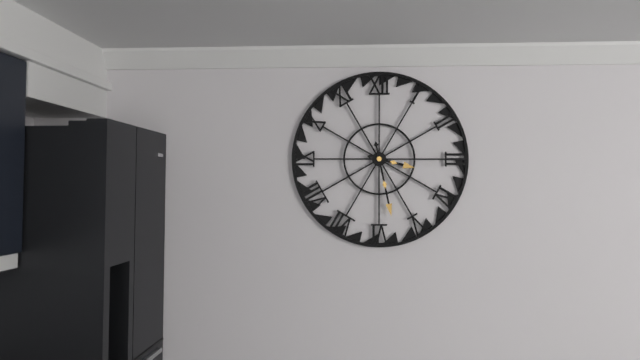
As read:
**3:28**
